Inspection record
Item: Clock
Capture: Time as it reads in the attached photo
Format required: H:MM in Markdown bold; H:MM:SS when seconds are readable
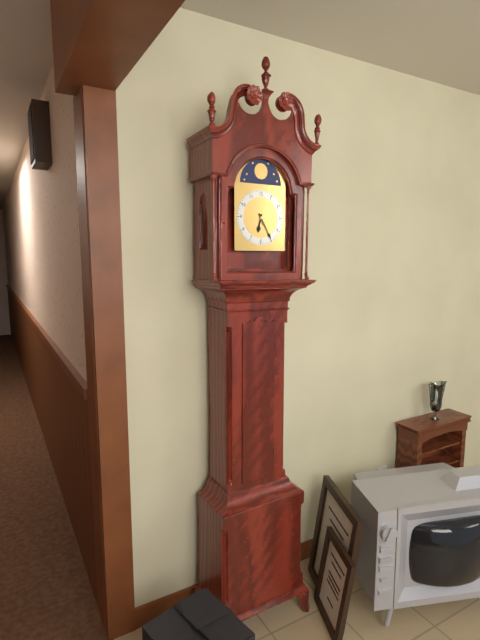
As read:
**6:25**
